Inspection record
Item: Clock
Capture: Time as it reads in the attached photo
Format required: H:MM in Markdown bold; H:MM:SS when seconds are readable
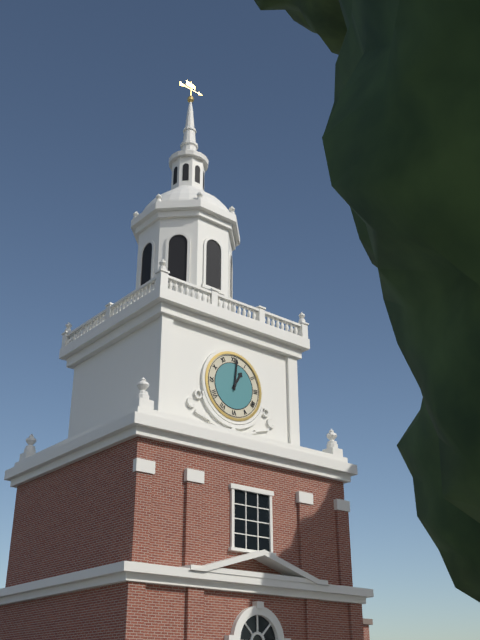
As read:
**1:01**
